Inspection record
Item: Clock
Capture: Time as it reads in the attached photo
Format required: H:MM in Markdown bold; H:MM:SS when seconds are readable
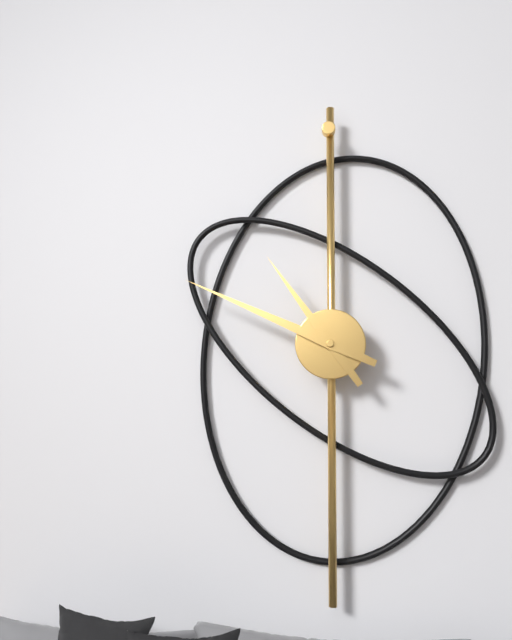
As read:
**10:49**
